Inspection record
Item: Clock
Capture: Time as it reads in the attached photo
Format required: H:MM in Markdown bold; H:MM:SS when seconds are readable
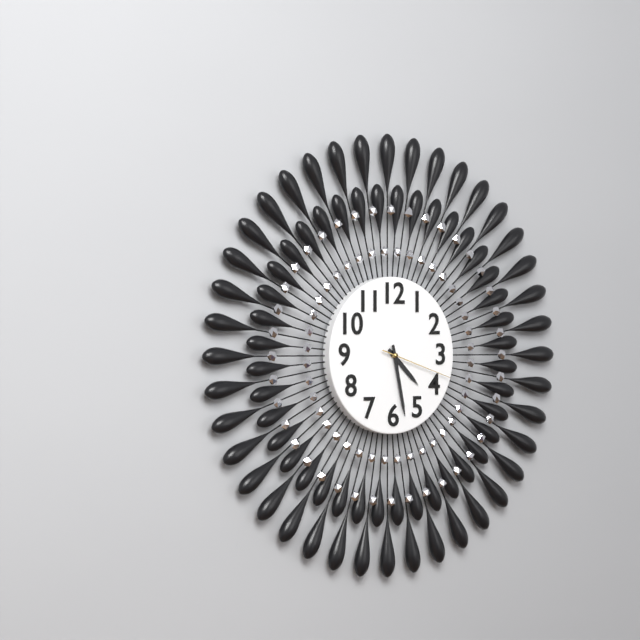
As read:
**4:28:18**
